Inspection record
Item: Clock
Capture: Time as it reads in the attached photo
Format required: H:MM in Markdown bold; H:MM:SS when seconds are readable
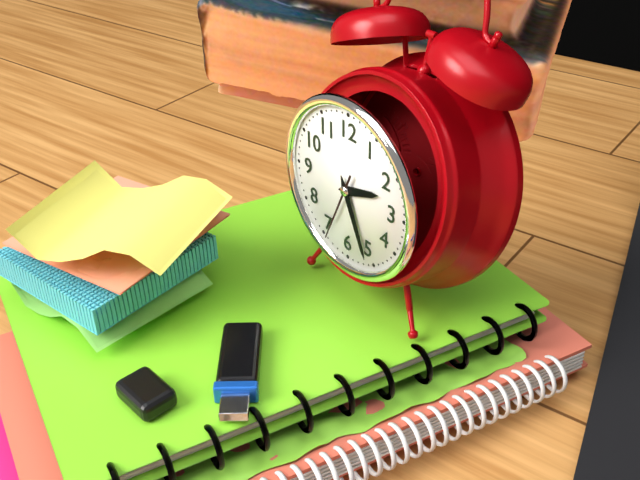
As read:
**2:26:34**
